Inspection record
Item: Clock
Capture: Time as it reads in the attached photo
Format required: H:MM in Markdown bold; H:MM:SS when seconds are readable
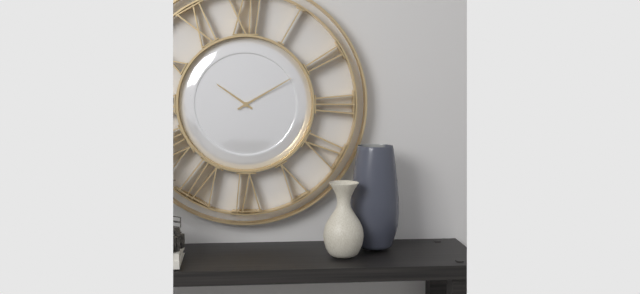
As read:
**10:10**
